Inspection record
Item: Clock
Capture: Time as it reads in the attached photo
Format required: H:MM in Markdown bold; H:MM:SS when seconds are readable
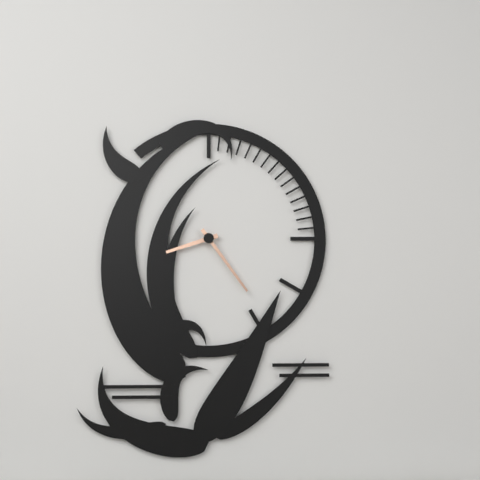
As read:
**8:24**
